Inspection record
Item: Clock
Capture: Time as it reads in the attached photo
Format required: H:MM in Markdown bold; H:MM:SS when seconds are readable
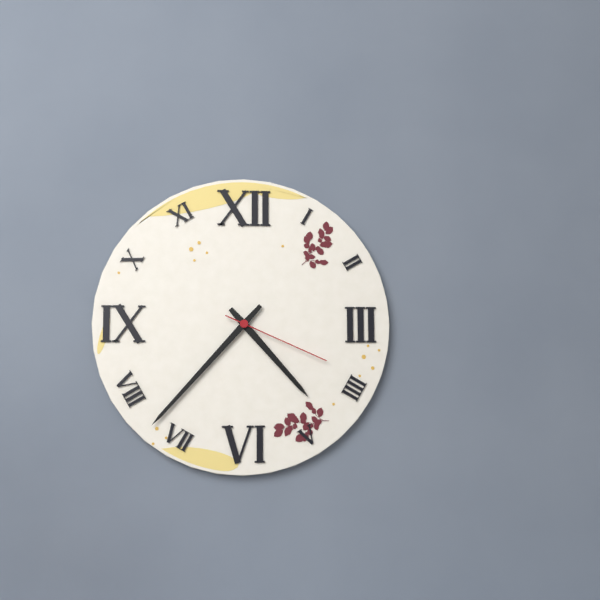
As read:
**4:37:19**
